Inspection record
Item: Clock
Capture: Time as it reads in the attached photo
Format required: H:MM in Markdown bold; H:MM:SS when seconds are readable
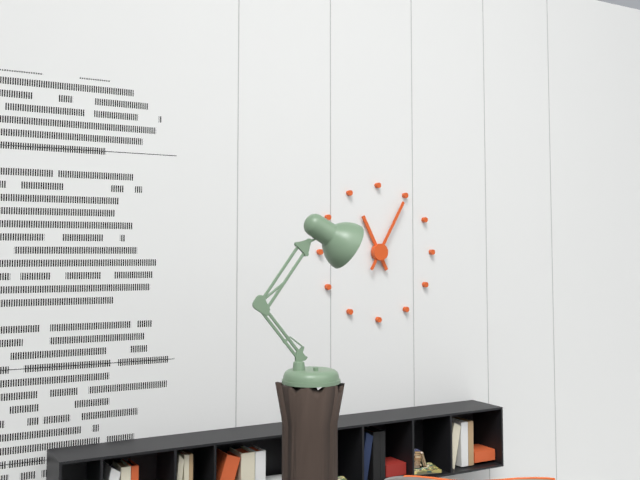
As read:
**11:05**
